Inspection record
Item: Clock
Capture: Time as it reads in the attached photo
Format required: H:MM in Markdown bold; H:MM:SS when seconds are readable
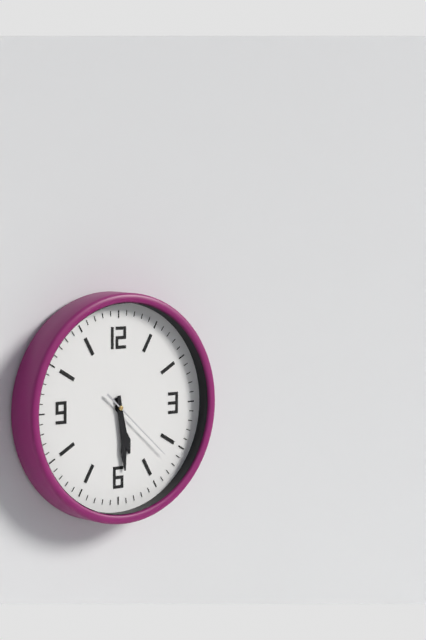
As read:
**5:29:22**
